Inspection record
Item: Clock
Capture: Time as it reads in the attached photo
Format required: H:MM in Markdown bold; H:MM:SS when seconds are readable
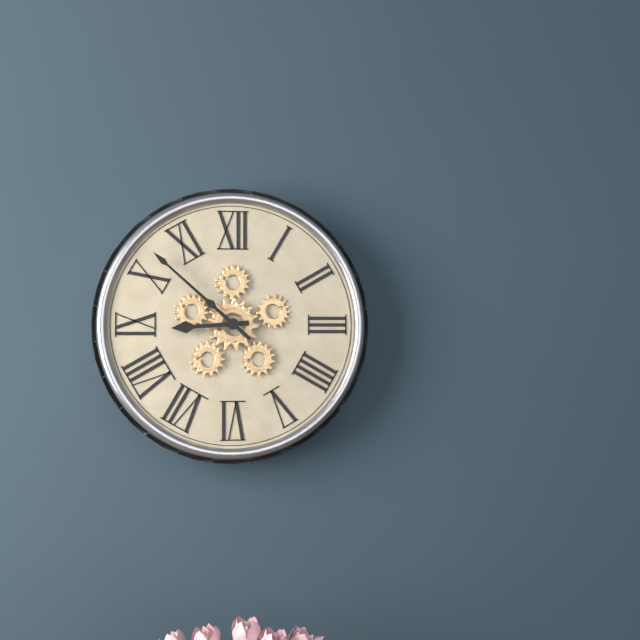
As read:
**8:52**
